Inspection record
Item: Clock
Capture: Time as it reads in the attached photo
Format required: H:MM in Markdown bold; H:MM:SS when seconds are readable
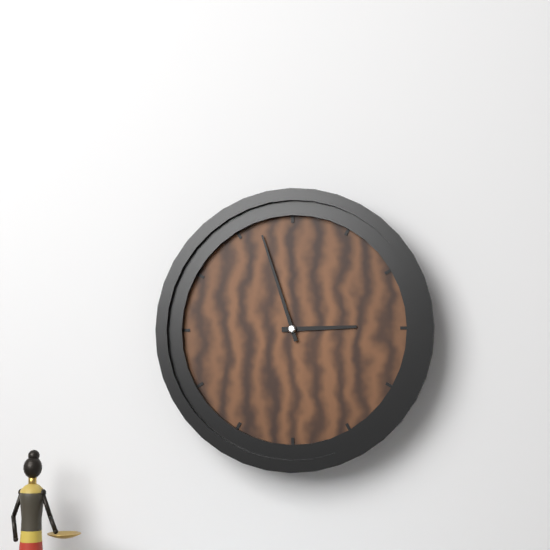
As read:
**2:57**
